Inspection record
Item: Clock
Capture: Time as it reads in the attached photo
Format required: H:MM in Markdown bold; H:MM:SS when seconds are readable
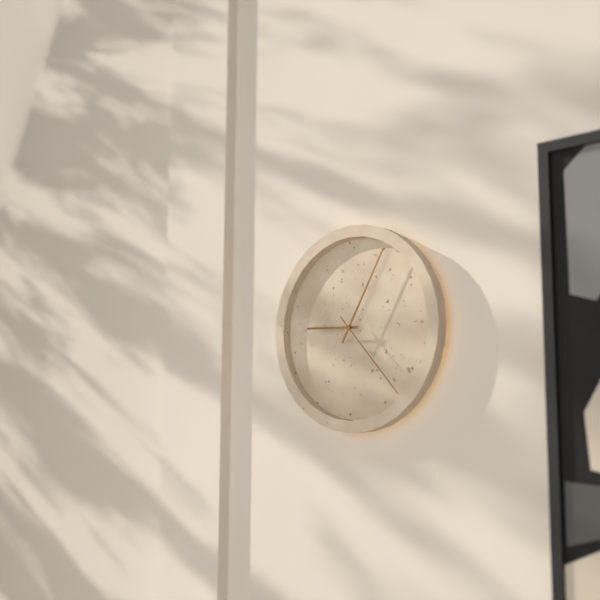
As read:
**9:05:23**
